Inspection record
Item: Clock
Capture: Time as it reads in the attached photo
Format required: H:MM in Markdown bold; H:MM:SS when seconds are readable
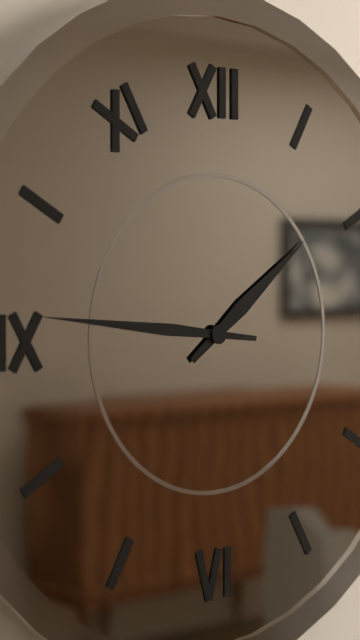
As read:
**1:46**
